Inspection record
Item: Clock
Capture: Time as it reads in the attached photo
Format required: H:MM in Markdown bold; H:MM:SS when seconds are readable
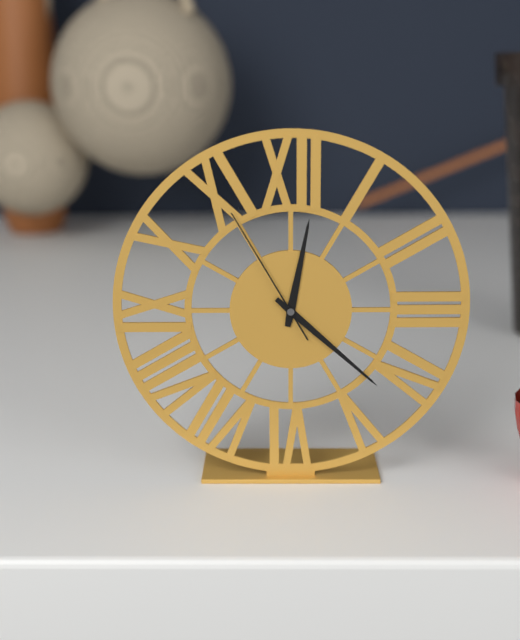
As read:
**12:22:55**
